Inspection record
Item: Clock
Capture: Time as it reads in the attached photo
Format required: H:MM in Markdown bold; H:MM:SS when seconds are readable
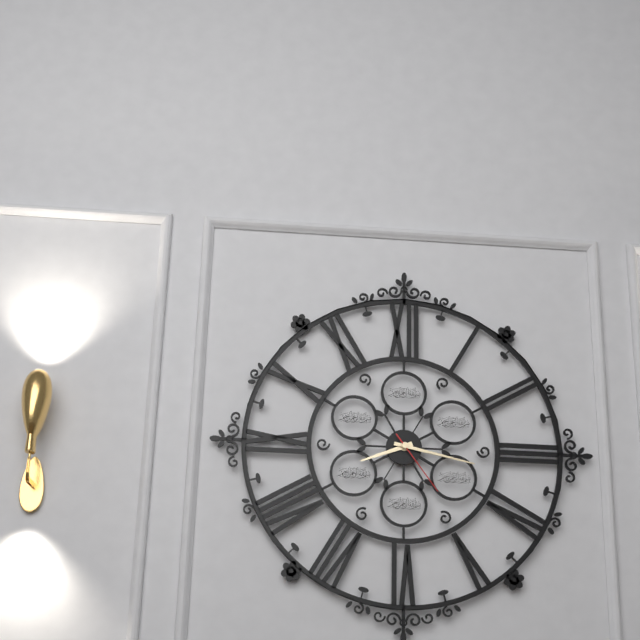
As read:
**8:17:24**
